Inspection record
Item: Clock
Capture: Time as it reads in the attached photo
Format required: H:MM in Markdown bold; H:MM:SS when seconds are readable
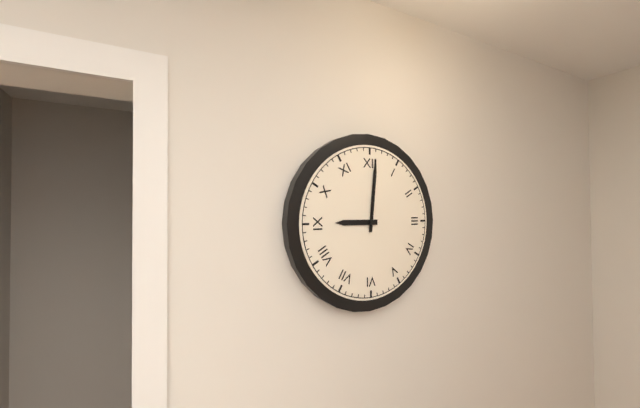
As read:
**9:01**
